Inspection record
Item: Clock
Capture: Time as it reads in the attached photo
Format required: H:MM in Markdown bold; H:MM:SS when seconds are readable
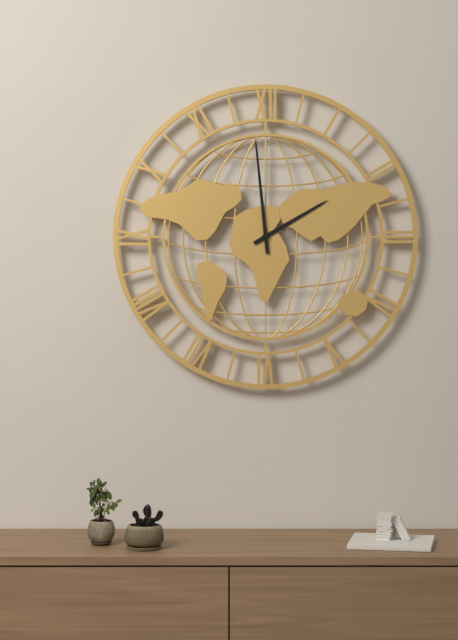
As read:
**1:59**
